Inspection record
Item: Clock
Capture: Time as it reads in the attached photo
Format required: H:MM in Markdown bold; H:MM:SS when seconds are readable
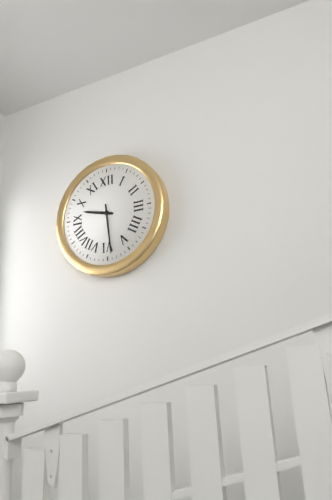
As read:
**9:29**
